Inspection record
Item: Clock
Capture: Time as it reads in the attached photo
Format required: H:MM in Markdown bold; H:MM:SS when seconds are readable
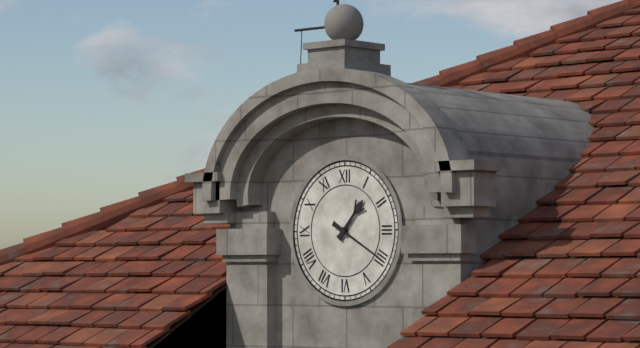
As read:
**1:20**
